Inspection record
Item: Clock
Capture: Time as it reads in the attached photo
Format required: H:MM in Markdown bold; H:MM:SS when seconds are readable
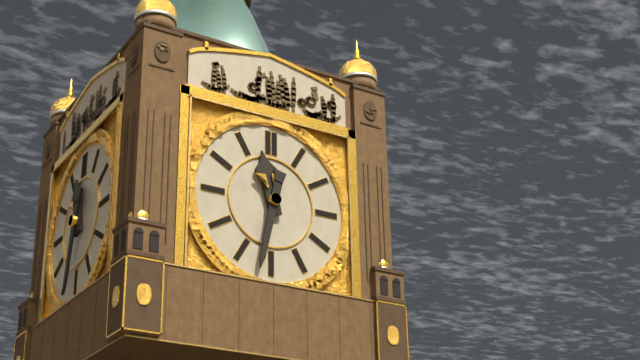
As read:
**11:32**
